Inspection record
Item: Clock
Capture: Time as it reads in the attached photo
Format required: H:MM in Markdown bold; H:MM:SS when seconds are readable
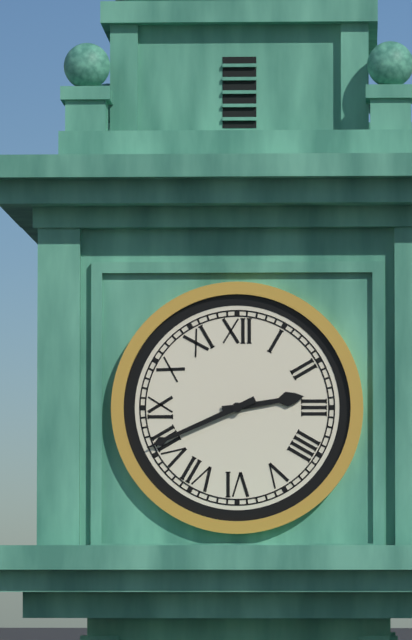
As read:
**2:41**
